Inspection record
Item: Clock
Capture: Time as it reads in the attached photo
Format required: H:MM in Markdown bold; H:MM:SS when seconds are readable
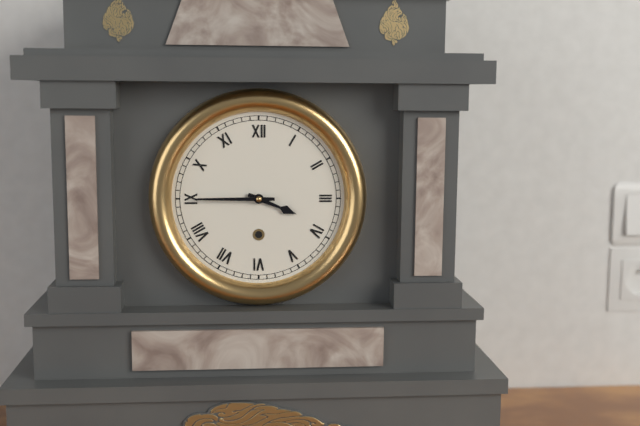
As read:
**3:45**
